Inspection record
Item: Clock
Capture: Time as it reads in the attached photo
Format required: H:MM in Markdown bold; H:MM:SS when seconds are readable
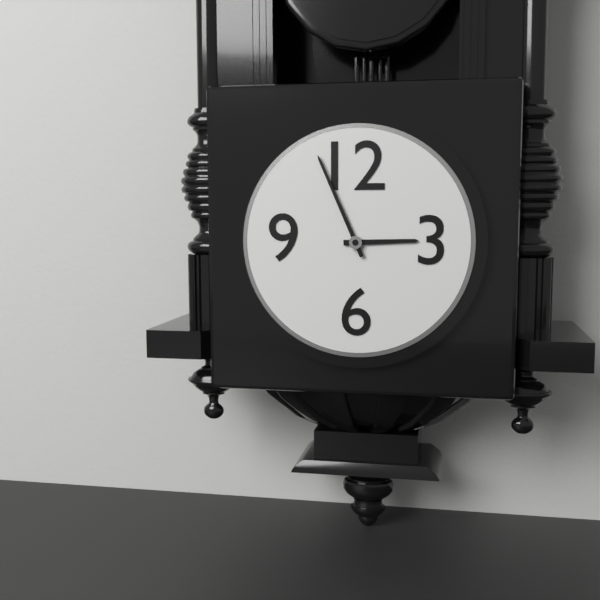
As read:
**2:56**
